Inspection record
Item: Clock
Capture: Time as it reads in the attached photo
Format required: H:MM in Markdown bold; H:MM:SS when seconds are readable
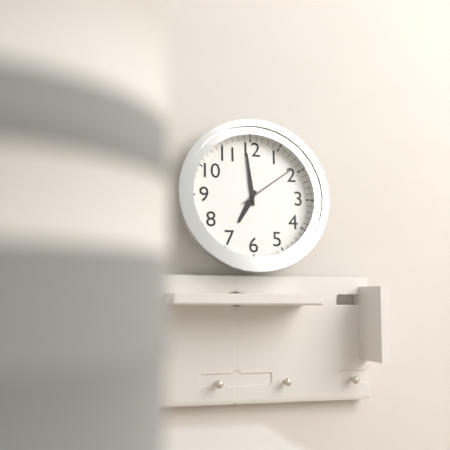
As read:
**6:59:09**
